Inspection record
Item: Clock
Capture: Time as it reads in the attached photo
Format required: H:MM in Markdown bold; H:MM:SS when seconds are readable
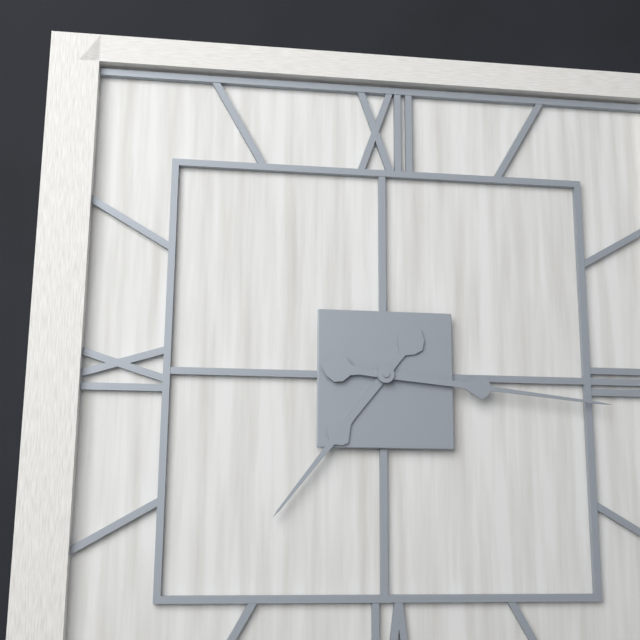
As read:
**7:16**
